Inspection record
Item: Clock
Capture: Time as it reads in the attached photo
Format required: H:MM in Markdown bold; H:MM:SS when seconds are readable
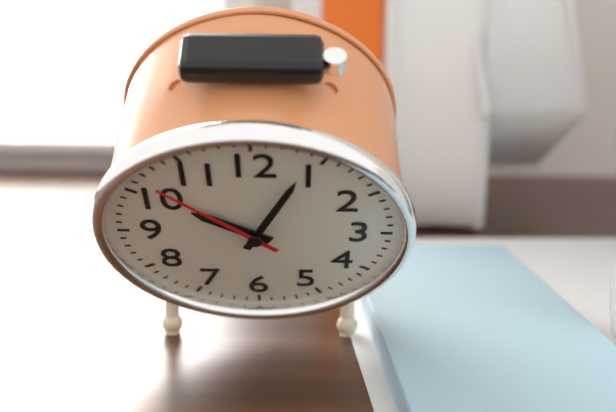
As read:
**10:04:52**
